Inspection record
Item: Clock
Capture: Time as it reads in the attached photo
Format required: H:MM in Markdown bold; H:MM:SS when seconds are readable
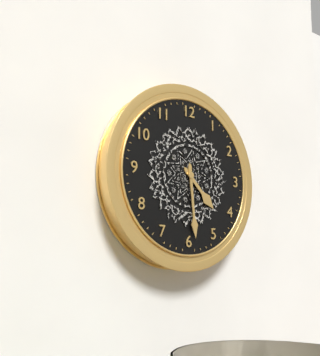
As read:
**4:29**
